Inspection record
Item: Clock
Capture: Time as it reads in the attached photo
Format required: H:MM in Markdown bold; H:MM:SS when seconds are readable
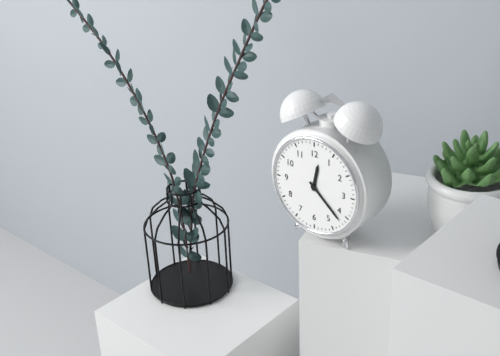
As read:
**12:22**
